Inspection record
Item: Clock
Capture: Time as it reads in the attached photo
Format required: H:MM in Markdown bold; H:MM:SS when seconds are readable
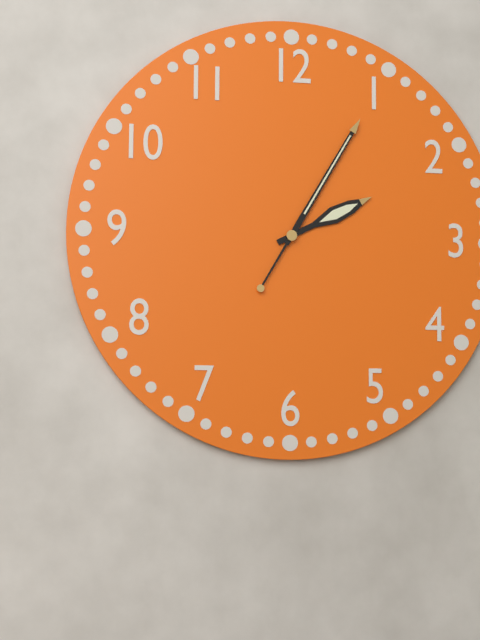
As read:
**2:05**
